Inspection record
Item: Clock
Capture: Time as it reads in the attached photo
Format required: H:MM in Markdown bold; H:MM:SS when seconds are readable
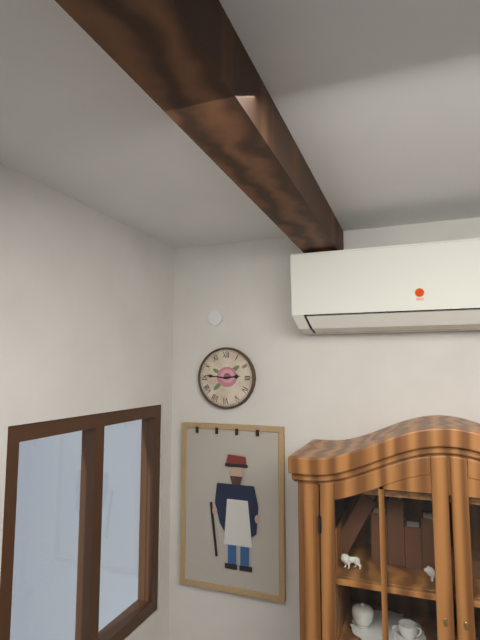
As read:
**2:46**
